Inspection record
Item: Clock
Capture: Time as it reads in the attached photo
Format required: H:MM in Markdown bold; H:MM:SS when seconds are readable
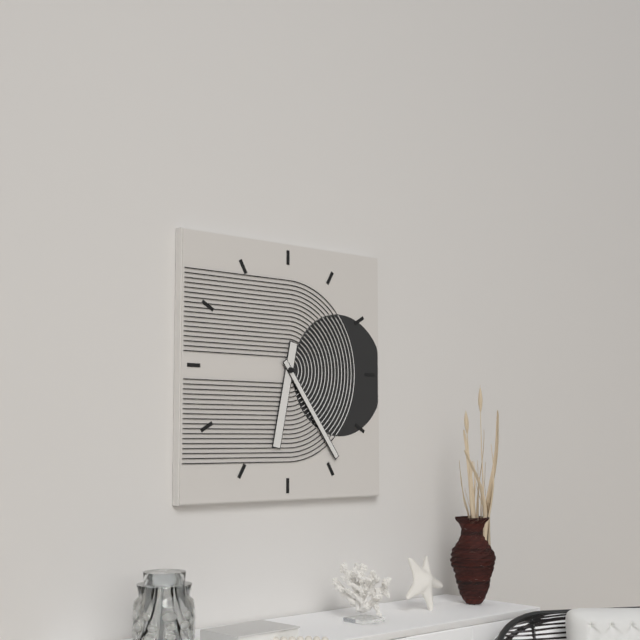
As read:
**6:24**
